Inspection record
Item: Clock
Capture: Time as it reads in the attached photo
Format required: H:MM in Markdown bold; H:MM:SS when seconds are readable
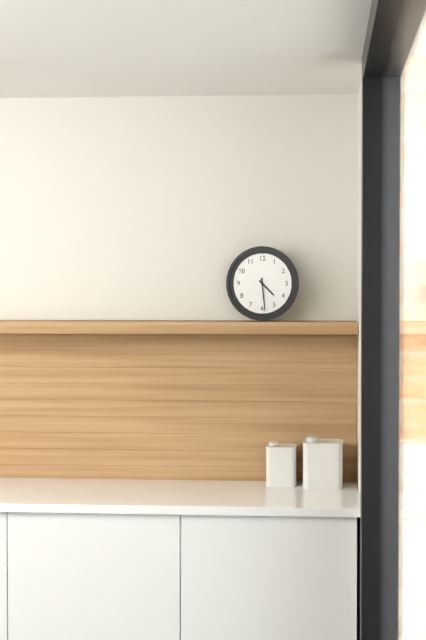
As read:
**4:29**
